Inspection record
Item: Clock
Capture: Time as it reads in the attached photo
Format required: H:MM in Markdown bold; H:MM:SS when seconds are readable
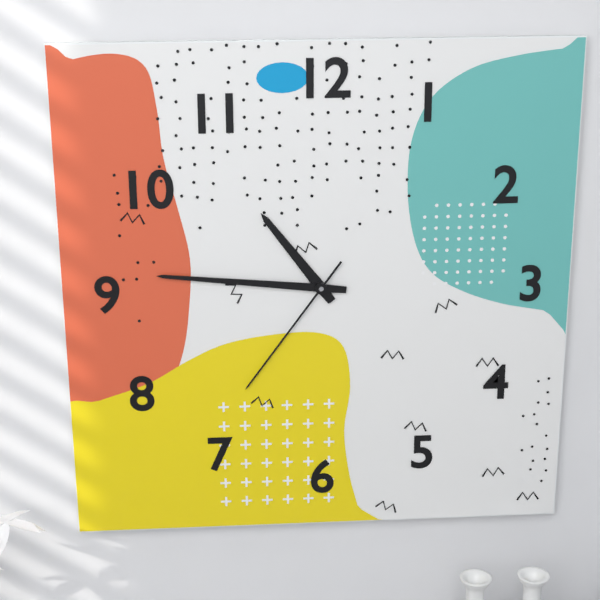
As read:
**10:46:36**
